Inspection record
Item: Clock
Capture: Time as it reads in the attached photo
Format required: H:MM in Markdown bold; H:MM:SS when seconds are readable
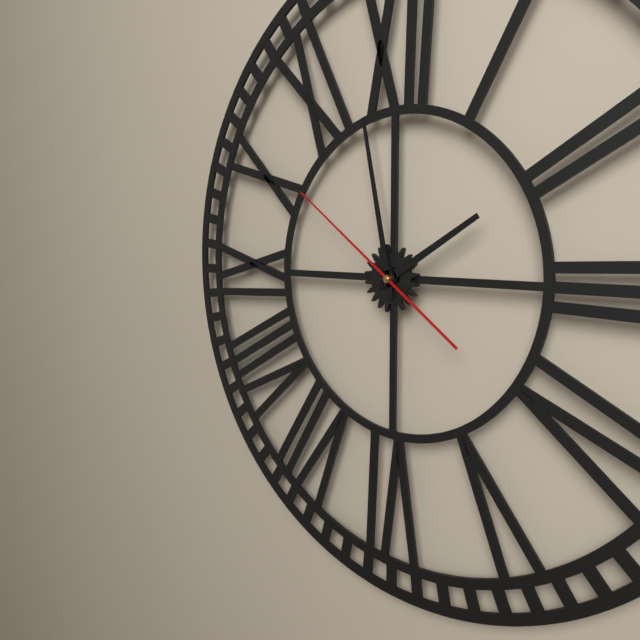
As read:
**1:58:51**
